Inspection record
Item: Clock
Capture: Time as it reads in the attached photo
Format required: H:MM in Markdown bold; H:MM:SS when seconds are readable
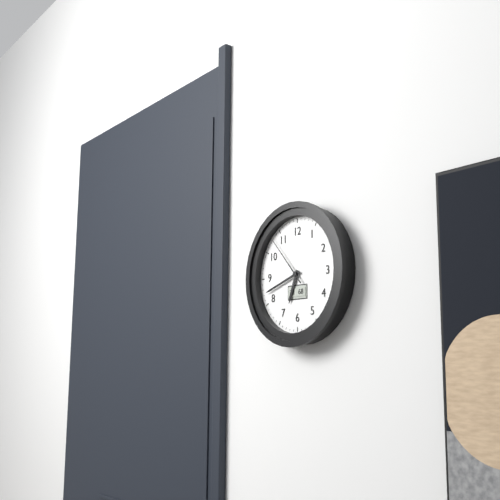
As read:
**6:42:53**
